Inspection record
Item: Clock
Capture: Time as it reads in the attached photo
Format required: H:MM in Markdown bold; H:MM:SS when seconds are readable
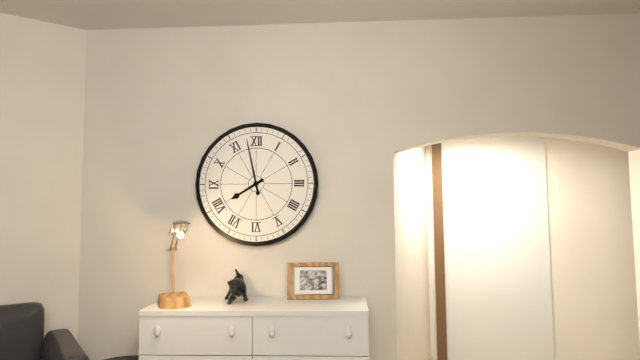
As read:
**7:58**
